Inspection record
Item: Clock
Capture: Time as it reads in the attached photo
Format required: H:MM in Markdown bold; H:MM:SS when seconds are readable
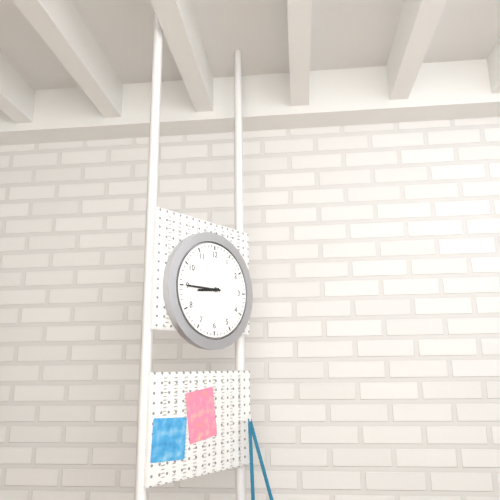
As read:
**8:45**
